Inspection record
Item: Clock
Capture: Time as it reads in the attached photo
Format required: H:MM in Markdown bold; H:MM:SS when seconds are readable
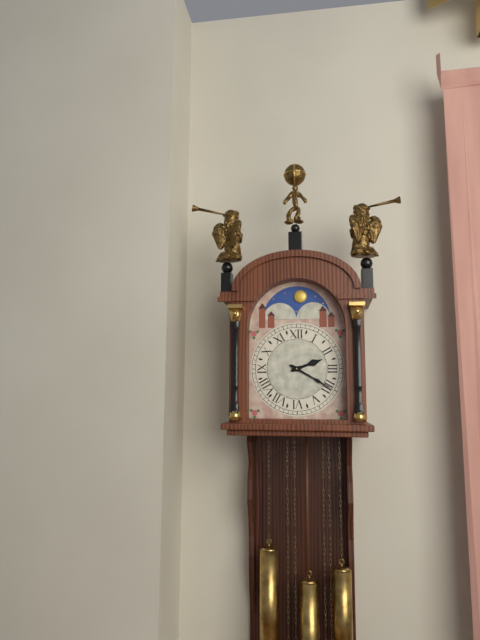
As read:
**2:20**
